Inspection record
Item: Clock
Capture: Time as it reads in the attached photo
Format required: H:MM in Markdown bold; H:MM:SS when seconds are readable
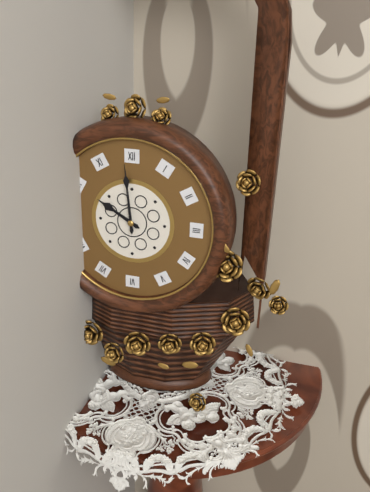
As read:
**9:59**
